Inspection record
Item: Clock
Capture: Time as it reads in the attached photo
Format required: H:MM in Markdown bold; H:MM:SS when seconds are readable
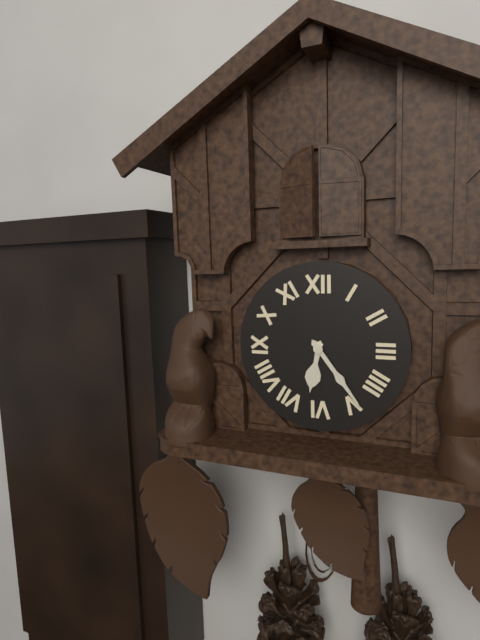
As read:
**6:24**
